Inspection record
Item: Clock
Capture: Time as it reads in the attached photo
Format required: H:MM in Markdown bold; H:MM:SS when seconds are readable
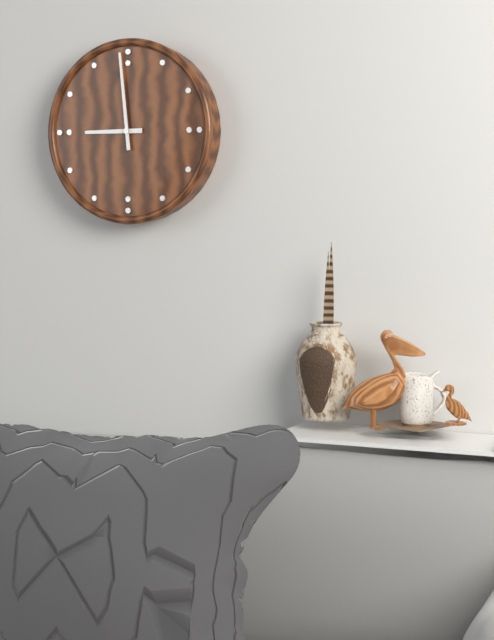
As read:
**8:59**
